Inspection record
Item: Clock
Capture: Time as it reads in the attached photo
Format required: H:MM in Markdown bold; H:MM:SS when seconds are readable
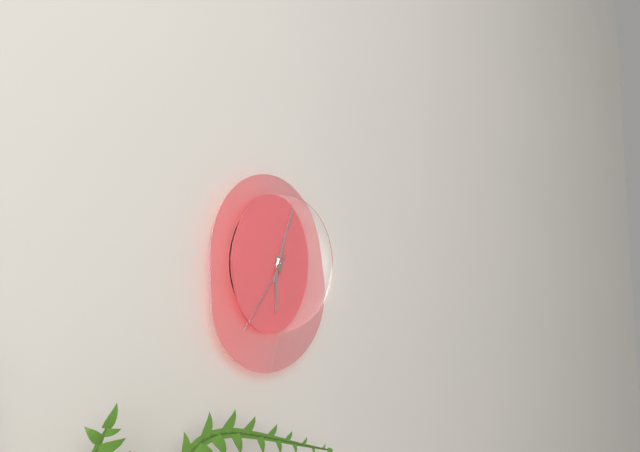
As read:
**6:03:36**
